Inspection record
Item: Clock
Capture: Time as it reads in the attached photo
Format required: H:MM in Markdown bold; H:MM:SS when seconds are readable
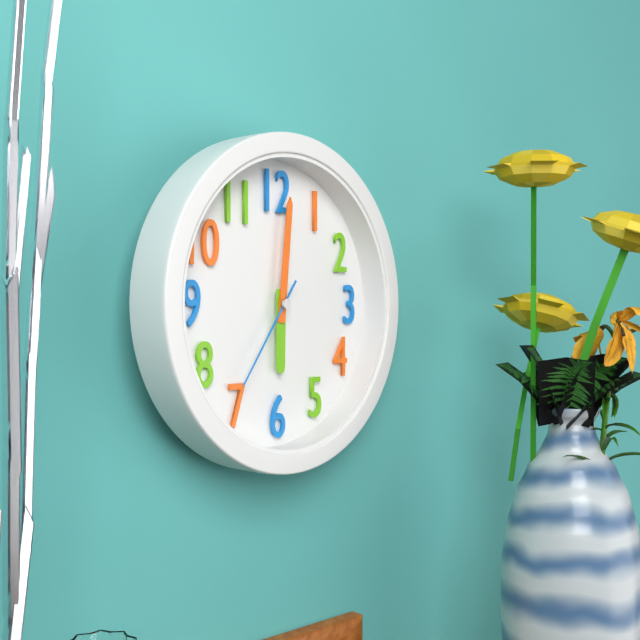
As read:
**6:01:36**
